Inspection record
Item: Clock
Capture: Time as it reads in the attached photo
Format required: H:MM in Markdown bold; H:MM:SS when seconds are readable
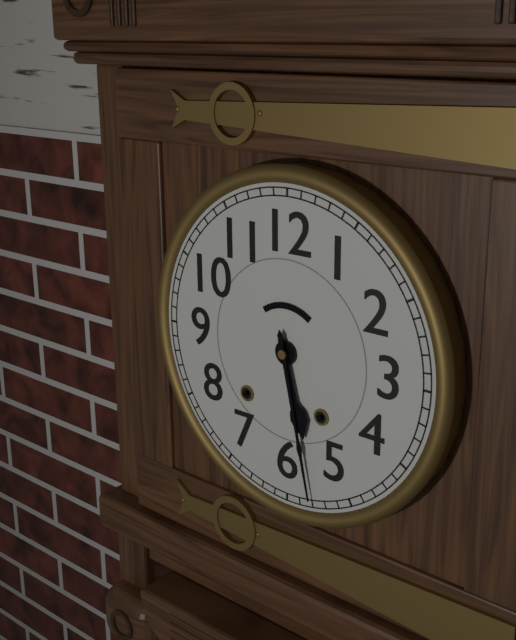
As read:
**5:28**
